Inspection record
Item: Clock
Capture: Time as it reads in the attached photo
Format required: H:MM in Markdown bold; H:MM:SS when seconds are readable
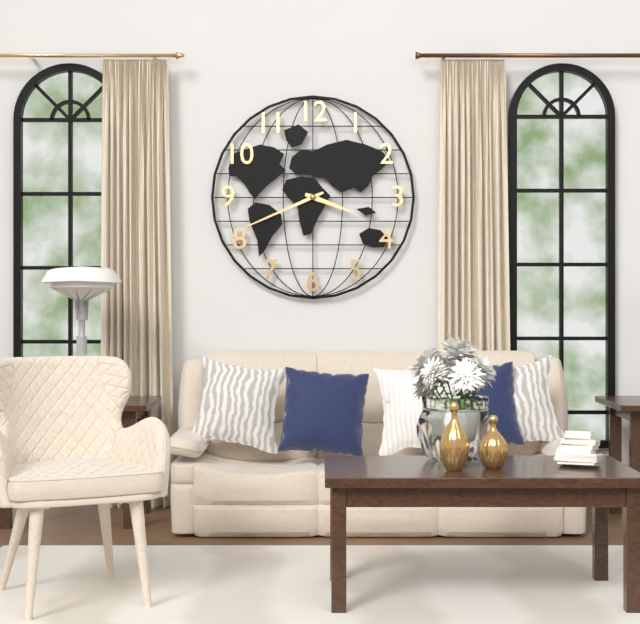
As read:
**3:41**
